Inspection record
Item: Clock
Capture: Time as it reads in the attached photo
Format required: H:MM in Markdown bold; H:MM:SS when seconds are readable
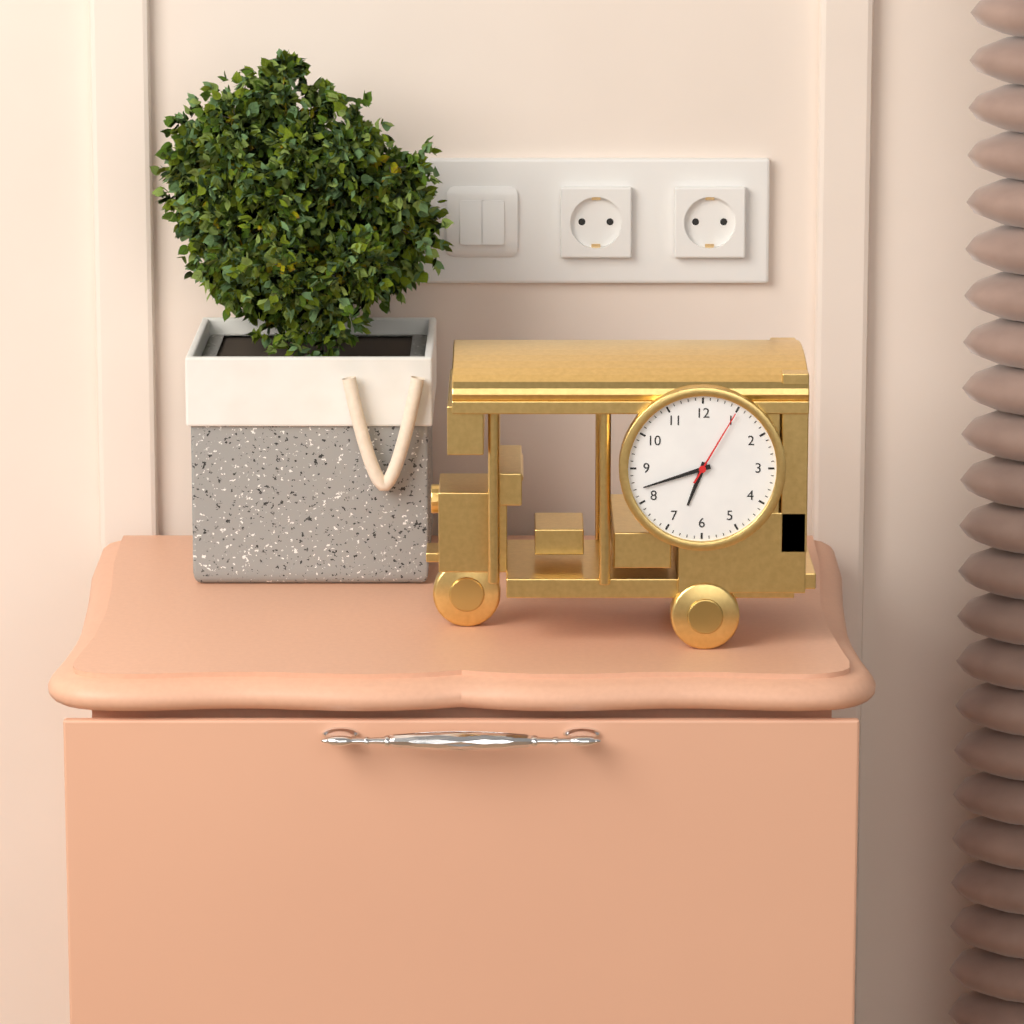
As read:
**6:42:05**
